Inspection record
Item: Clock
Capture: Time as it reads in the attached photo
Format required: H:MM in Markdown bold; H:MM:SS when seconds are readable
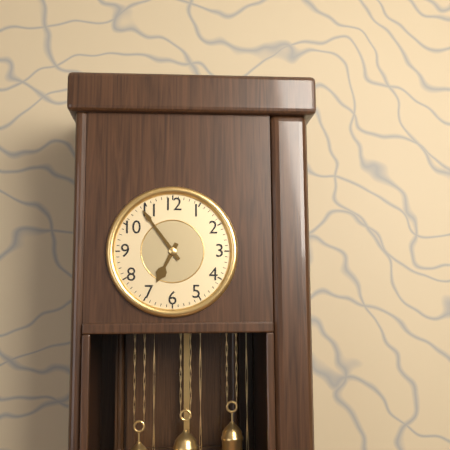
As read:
**6:54**
